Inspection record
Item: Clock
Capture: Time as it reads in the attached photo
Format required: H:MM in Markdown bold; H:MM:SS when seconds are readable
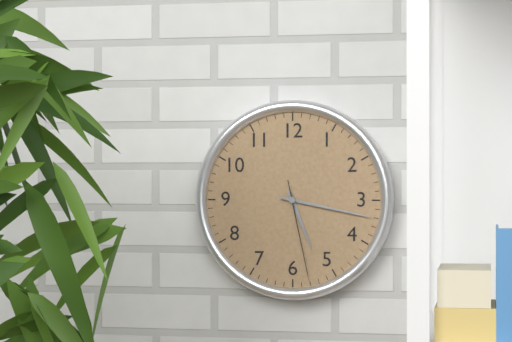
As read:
**5:17:28**
